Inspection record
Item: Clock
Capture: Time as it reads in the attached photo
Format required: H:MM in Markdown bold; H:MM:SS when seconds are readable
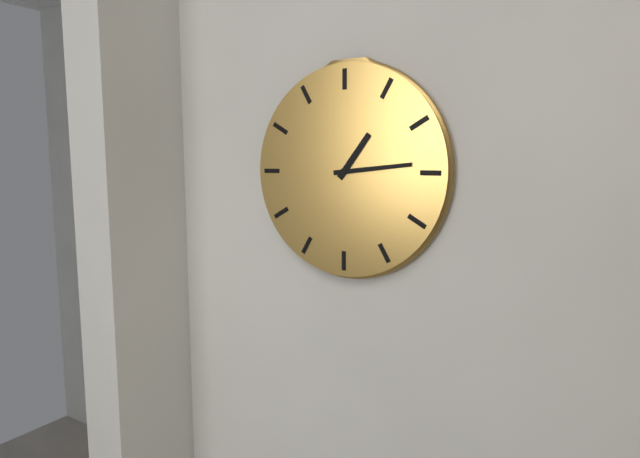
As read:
**1:14**
